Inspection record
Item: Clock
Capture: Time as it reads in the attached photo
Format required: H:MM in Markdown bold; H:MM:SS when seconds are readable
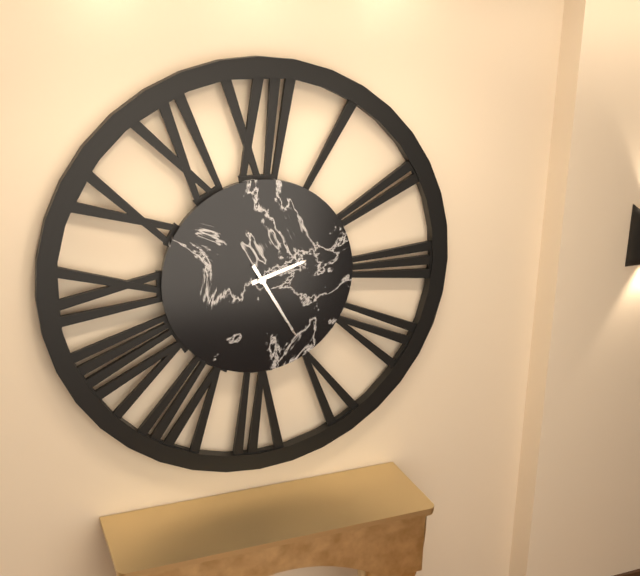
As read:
**2:25**
